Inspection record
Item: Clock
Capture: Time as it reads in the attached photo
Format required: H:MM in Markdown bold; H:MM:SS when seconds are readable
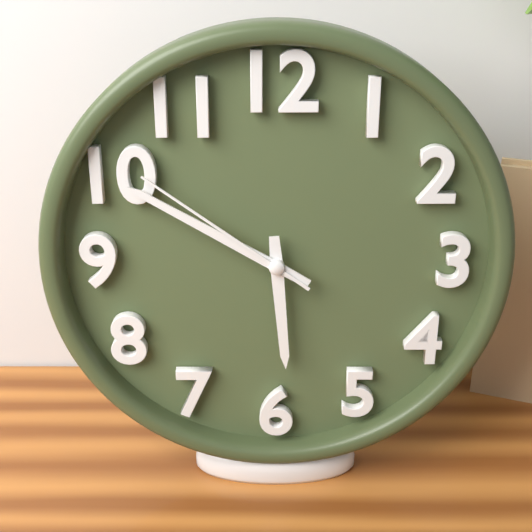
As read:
**5:50:51**
